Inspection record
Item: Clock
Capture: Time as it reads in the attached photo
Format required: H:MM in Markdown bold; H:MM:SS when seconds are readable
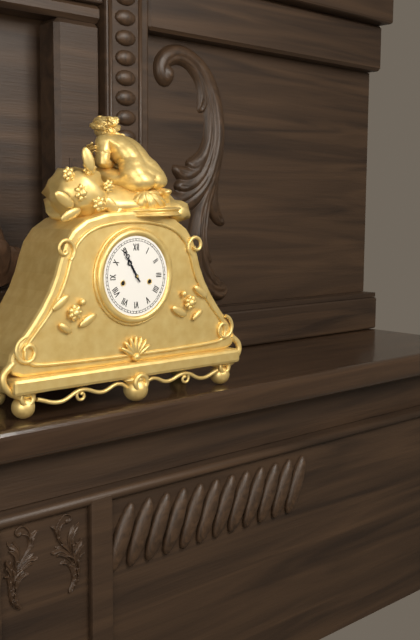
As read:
**10:55**
